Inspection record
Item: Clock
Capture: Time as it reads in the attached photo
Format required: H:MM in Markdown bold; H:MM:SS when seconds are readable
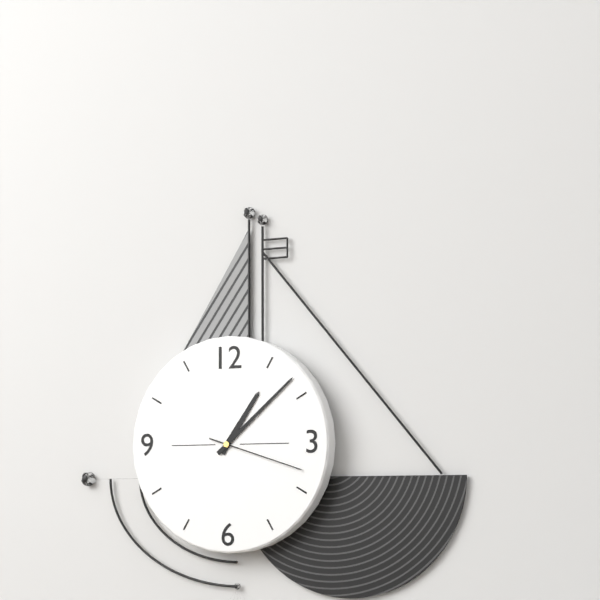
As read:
**1:08:18**
